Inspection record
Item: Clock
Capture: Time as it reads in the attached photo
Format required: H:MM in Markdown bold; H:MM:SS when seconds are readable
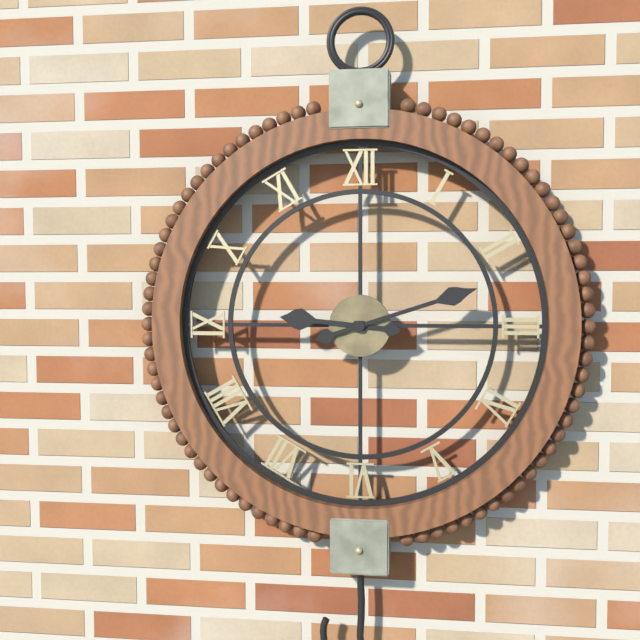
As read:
**9:12**
